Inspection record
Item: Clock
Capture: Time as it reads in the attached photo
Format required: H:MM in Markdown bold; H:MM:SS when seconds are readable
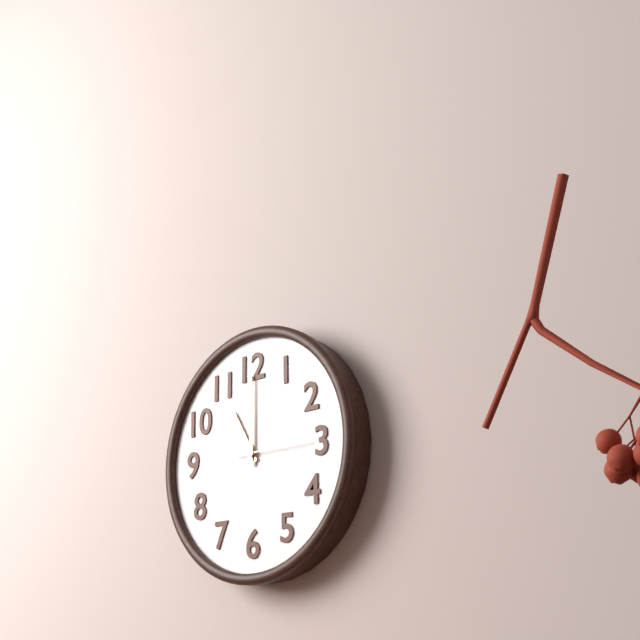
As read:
**11:00:15**
